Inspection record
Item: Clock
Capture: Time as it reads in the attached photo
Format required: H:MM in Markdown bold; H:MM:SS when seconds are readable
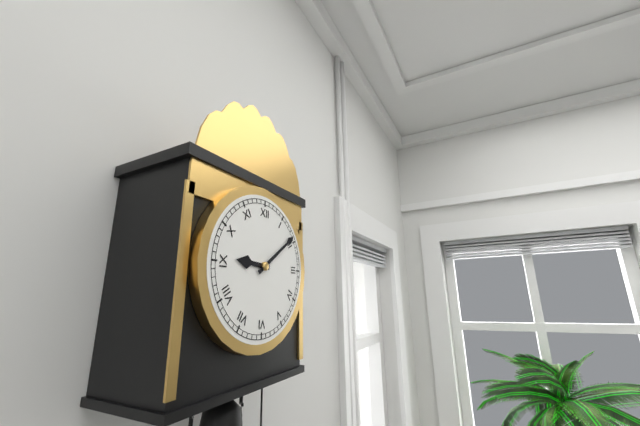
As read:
**9:09**
